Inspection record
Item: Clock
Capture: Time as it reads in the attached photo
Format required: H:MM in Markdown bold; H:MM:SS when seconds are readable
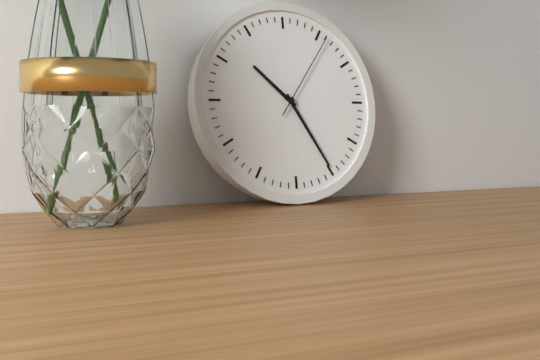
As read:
**10:25:06**
